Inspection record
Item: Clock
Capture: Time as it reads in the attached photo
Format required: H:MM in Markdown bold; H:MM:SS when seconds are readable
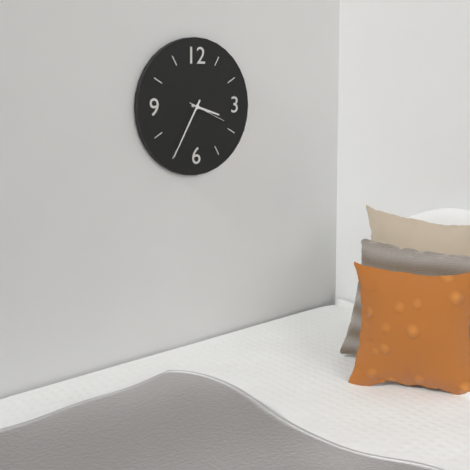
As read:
**3:35**
